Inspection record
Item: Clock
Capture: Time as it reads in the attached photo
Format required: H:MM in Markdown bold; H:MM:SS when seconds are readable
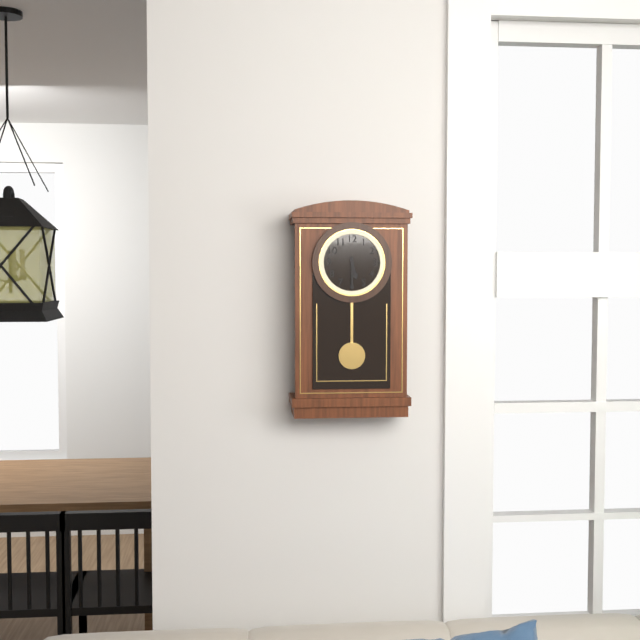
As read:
**5:30**
